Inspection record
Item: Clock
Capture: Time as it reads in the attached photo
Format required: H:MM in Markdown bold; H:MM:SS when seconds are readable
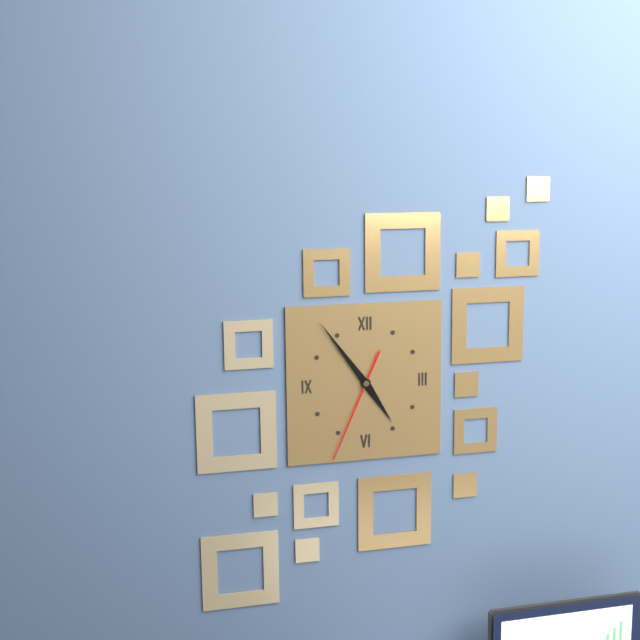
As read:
**4:54:34**
